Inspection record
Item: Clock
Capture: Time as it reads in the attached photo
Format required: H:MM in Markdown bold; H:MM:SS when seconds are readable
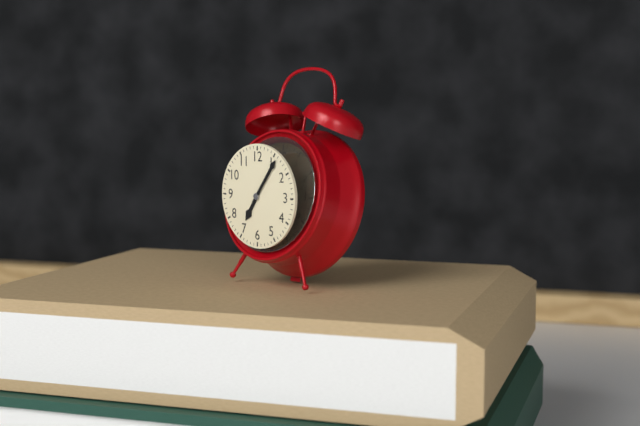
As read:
**7:06**
